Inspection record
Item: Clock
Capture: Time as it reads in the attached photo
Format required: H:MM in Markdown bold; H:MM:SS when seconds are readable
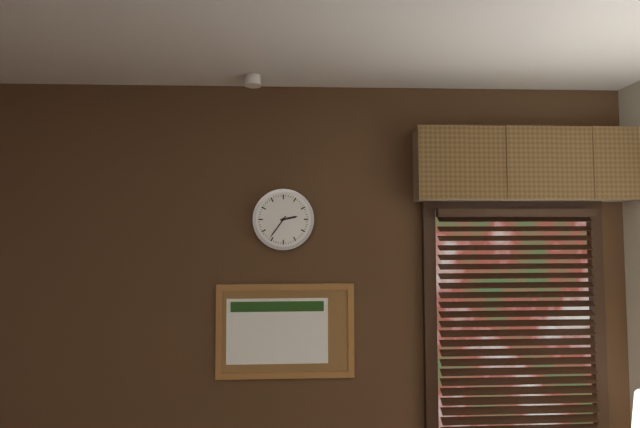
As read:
**2:36**
